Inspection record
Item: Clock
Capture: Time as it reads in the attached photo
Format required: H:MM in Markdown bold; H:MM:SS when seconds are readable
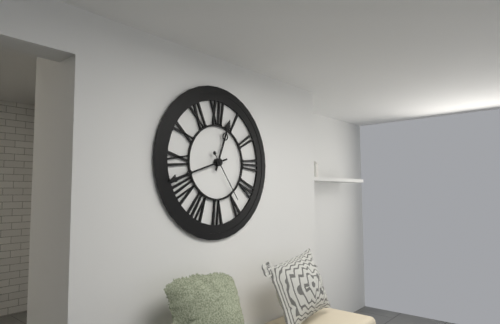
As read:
**12:42:24**
